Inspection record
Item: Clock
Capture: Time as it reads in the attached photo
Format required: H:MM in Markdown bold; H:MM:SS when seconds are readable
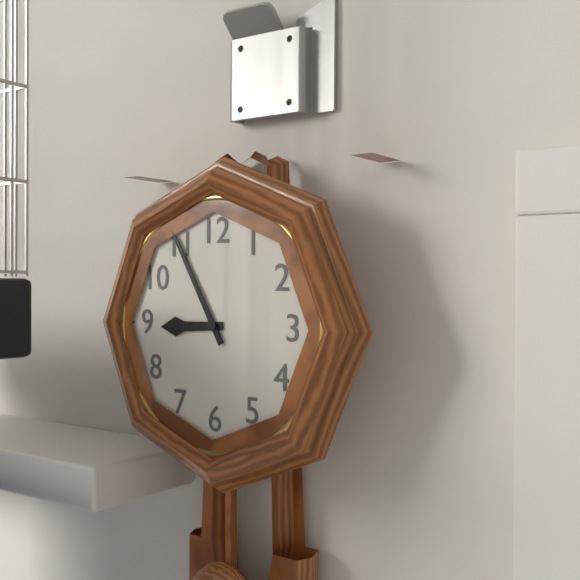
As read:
**8:55**
